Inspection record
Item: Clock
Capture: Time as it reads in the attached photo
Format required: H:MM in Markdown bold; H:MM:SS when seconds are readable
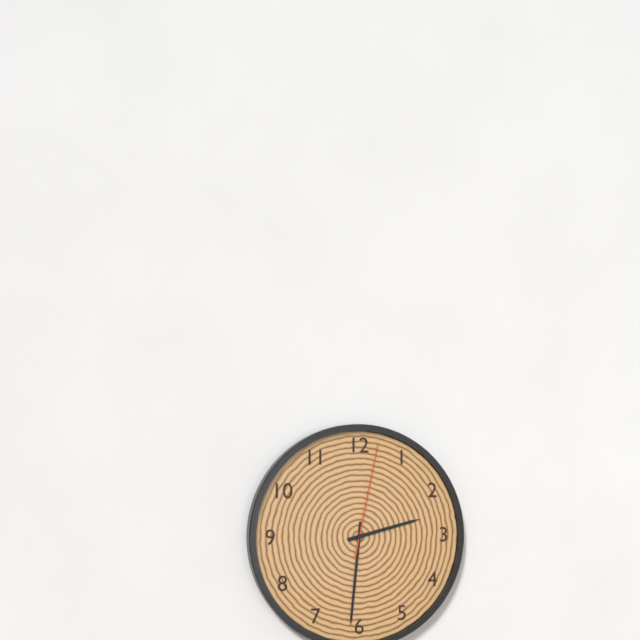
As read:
**2:31:02**
